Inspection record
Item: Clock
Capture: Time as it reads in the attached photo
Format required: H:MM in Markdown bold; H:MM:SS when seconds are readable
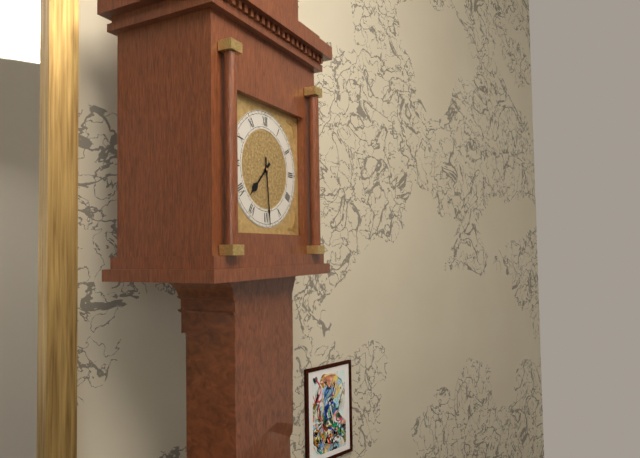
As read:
**7:29**
